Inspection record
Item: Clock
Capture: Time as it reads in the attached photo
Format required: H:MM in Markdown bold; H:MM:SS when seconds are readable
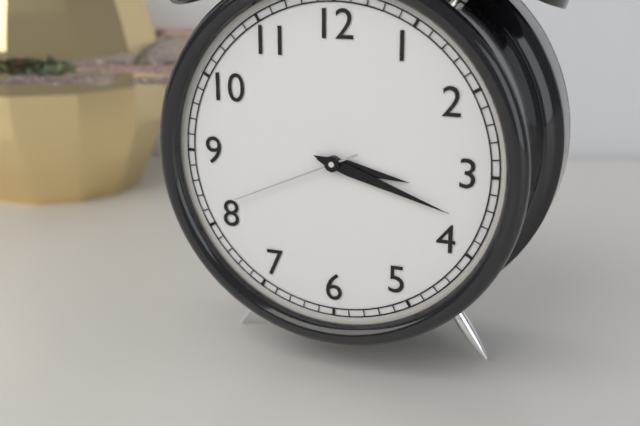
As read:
**3:18:41**
